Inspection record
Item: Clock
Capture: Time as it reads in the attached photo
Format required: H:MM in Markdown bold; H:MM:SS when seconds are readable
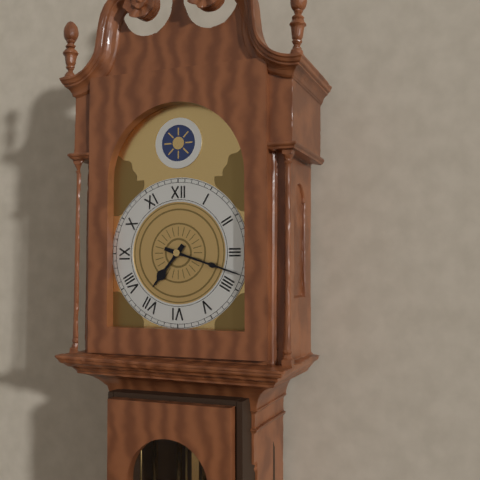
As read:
**7:18**
